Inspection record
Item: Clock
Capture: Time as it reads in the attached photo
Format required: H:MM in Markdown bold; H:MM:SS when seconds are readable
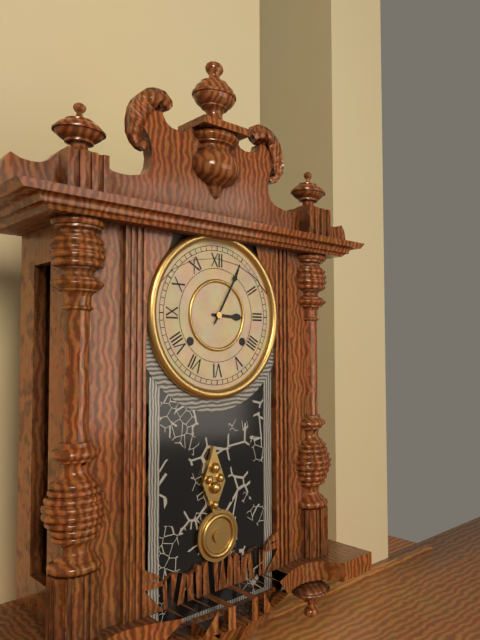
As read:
**3:05**
